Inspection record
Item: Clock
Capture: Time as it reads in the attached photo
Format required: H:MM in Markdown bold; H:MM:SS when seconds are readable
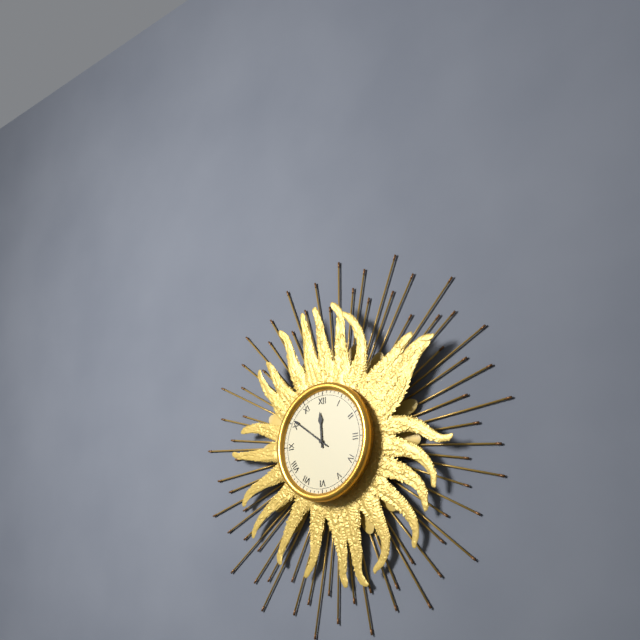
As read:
**11:51**
